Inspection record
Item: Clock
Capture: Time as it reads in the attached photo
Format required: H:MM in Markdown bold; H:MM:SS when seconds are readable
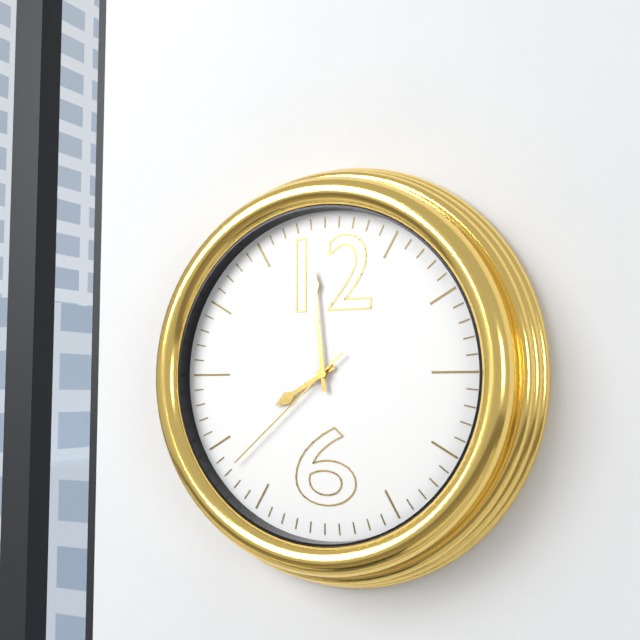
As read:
**7:59:38**
